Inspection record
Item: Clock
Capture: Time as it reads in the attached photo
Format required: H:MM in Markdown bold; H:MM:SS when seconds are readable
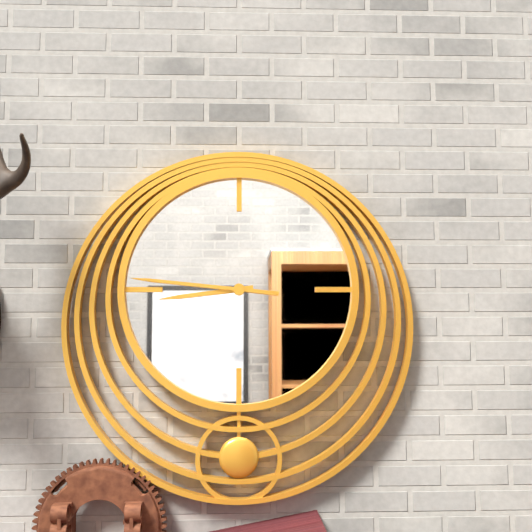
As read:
**8:46**
